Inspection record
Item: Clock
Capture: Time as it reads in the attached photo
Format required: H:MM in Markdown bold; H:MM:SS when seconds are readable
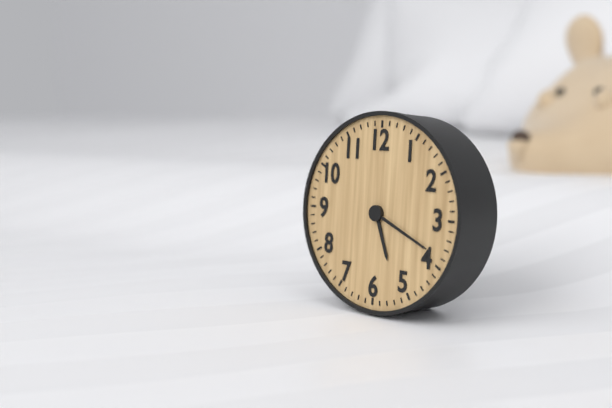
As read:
**5:19**
